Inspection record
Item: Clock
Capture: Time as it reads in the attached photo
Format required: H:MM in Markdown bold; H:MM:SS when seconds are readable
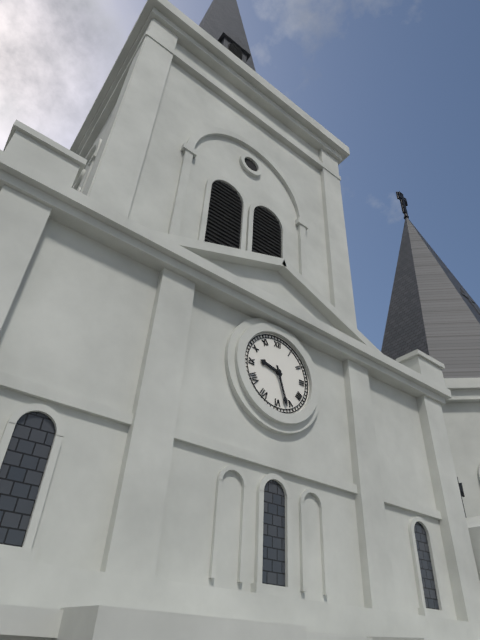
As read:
**9:27**
